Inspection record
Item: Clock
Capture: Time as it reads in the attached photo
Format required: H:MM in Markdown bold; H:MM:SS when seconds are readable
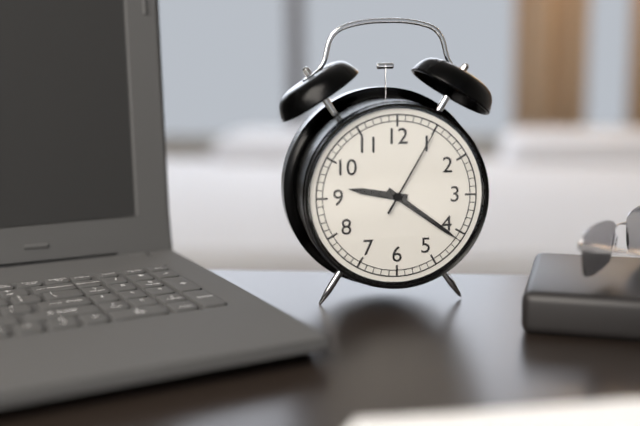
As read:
**9:21:05**
